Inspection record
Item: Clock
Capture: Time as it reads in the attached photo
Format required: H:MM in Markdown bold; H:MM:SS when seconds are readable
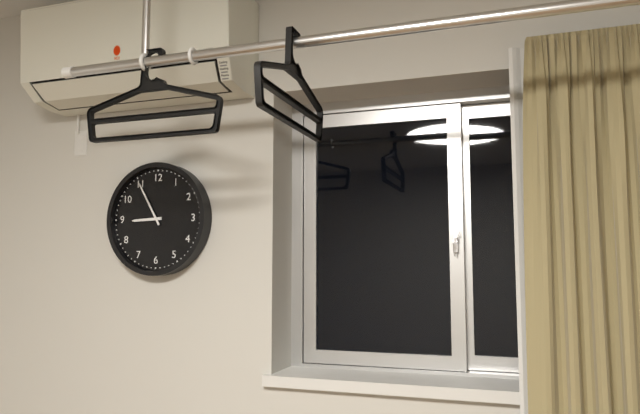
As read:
**8:55**
